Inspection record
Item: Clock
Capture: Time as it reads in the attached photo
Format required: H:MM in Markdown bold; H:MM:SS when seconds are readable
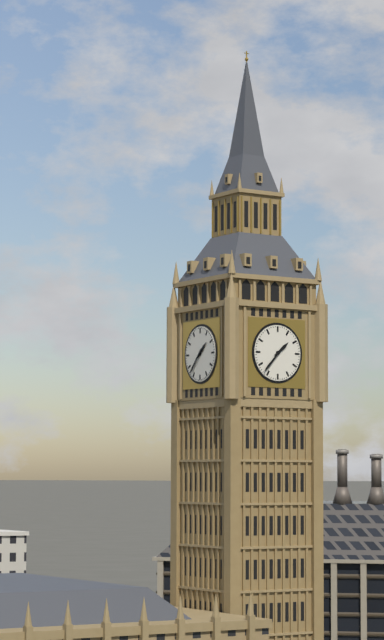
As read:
**1:37**
